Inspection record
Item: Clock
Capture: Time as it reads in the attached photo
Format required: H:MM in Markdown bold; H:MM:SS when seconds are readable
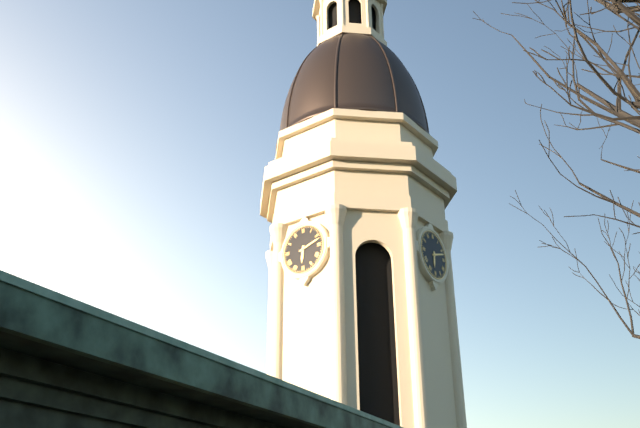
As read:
**6:12**
